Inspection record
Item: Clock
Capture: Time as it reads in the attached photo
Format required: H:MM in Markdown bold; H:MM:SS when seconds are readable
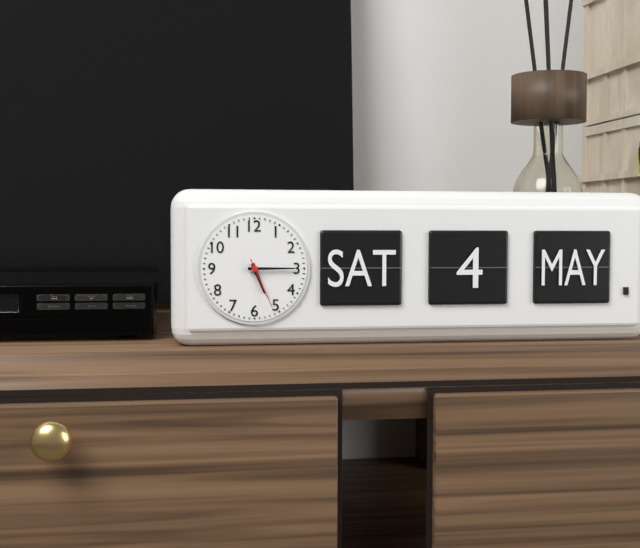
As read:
**5:15:26**
